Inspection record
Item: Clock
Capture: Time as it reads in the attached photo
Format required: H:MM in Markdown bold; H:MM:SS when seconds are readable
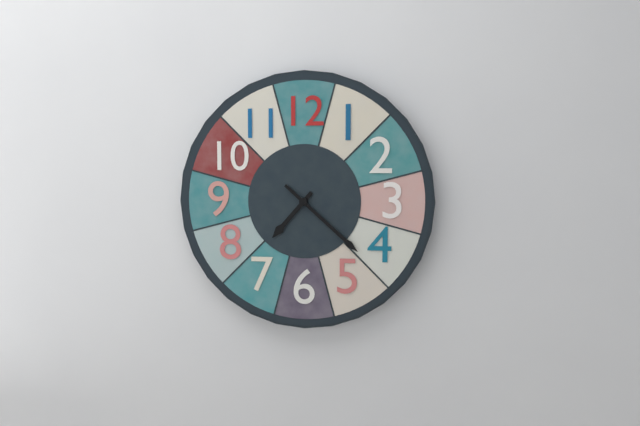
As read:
**7:22**
